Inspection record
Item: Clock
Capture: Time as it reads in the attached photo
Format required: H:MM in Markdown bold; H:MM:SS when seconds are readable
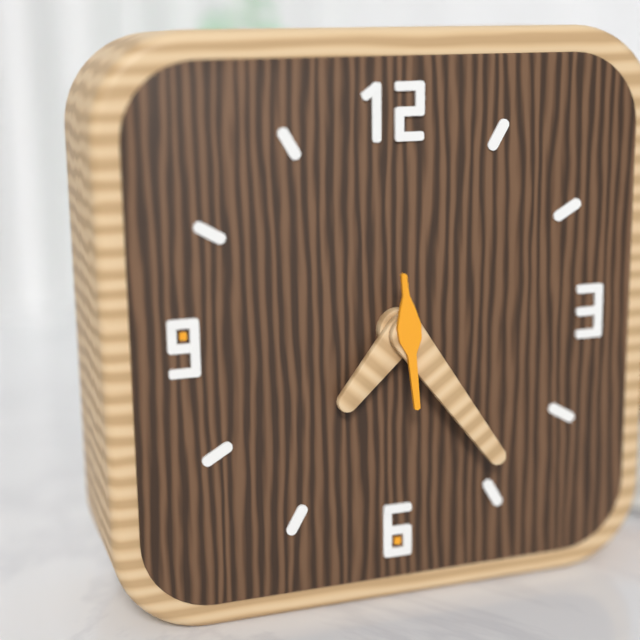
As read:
**7:24:29**
